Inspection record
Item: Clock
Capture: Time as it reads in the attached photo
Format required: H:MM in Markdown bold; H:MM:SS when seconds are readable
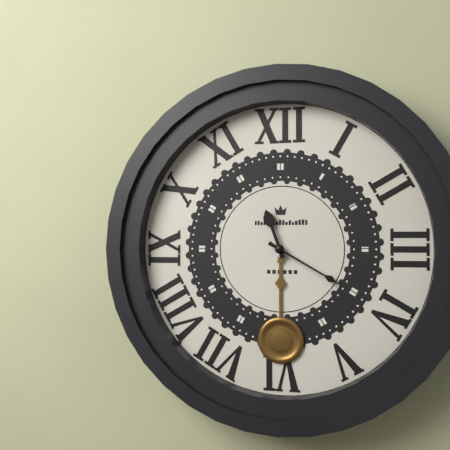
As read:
**11:20**
